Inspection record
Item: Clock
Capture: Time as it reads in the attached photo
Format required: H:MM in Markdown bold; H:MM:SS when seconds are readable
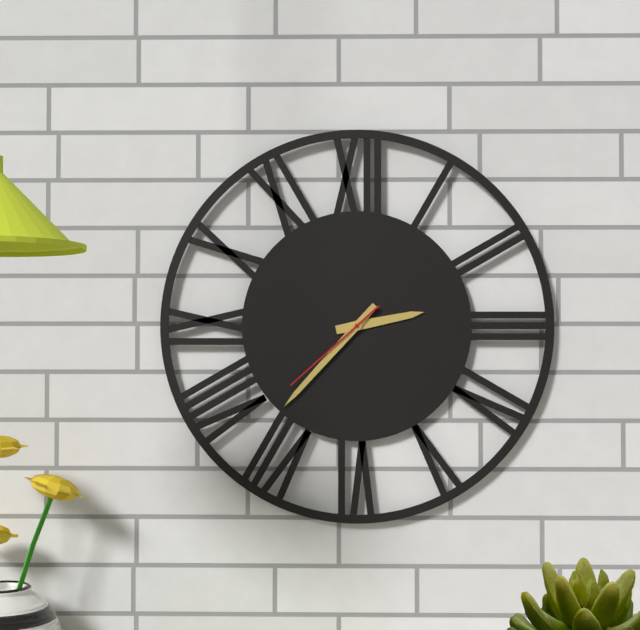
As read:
**2:37:38**
